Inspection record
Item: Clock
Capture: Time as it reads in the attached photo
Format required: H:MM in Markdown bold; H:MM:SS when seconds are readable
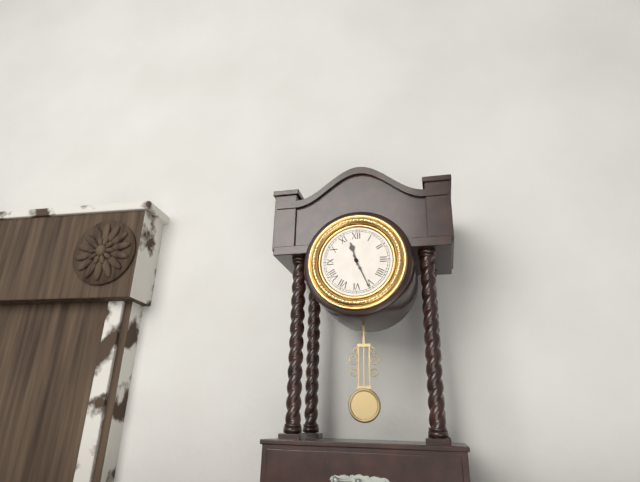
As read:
**11:26**
